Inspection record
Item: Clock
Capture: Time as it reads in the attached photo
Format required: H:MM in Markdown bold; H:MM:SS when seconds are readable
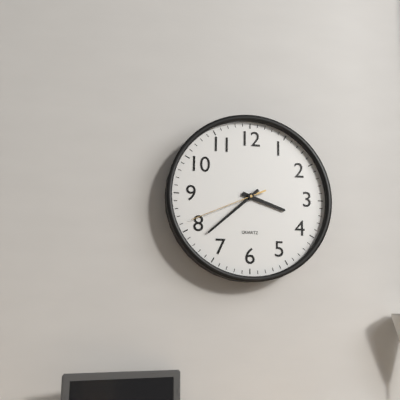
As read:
**3:38:41**
